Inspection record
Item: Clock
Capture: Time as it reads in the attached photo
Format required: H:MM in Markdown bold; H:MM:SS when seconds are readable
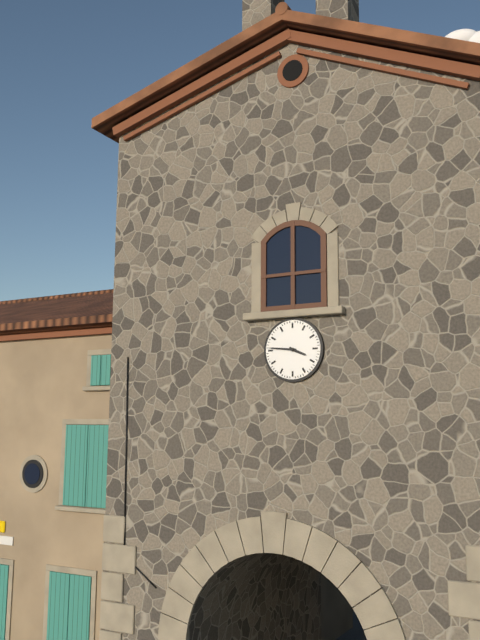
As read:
**3:46**
